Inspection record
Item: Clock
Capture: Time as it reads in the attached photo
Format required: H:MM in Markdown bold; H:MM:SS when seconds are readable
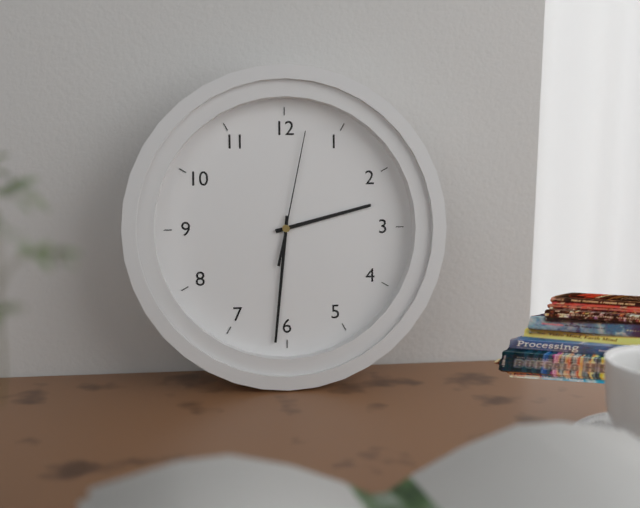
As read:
**2:31:02**
